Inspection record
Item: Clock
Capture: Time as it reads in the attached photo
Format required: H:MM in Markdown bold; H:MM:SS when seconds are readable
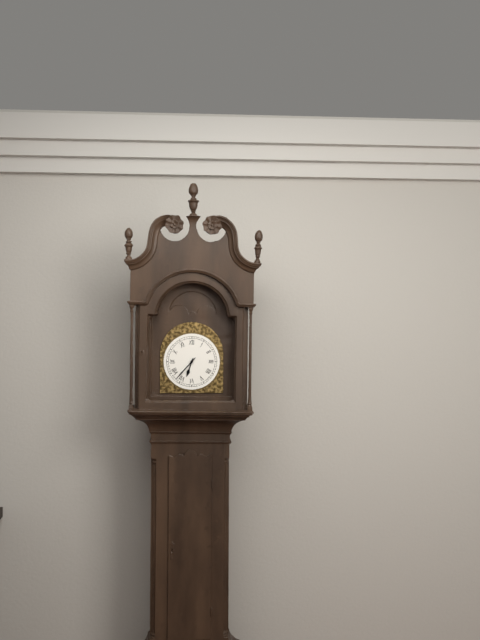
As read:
**6:37**
